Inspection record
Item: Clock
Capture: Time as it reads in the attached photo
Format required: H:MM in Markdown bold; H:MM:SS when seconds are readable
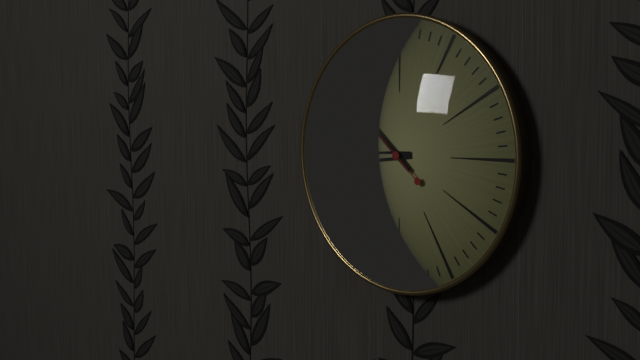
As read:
**8:52:52**
